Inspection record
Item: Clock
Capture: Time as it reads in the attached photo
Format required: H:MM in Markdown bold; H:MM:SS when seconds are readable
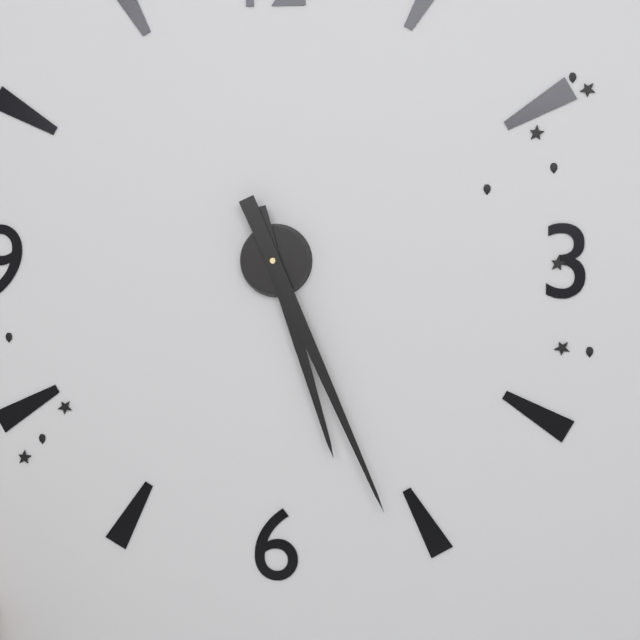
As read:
**5:26**
